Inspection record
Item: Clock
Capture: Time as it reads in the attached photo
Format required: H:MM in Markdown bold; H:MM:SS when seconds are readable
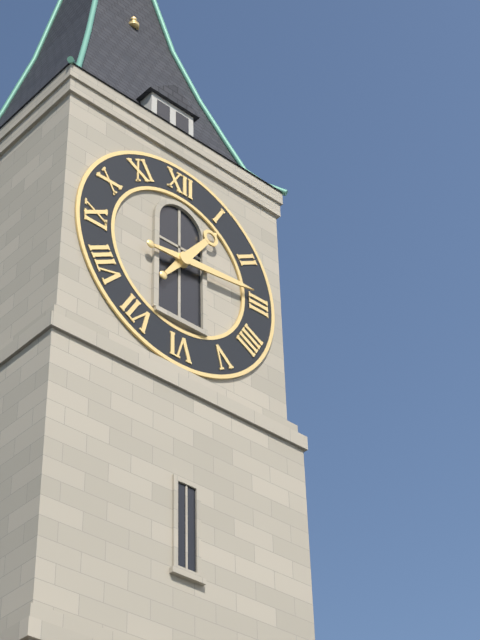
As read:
**1:14**
